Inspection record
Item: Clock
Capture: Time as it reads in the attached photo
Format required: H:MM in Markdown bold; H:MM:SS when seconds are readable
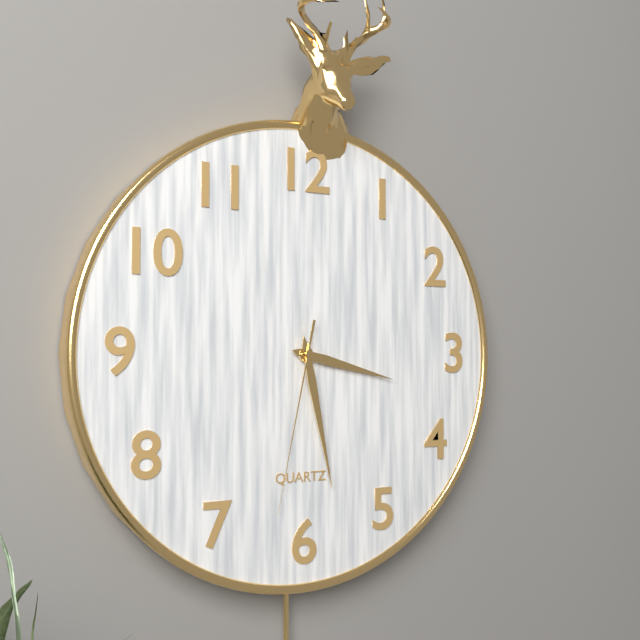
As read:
**3:28:32**
